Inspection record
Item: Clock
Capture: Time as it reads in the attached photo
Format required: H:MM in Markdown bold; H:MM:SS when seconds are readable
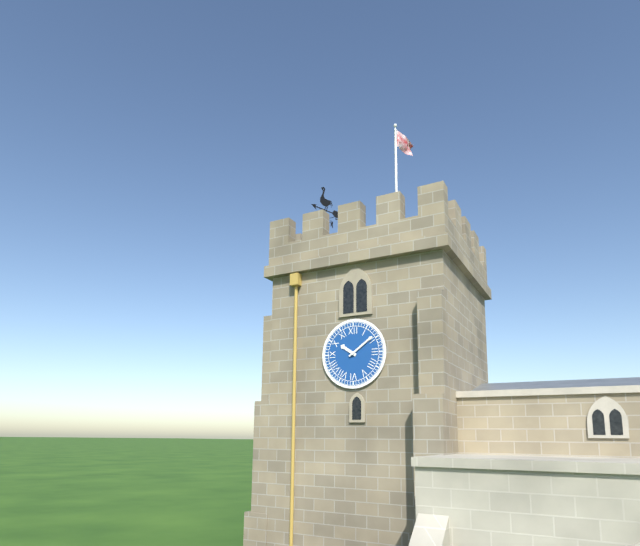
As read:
**10:09**
